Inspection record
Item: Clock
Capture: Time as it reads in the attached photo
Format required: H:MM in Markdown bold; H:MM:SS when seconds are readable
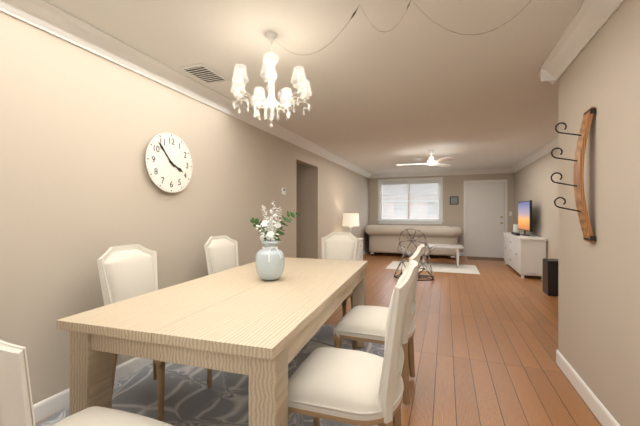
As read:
**3:53**
